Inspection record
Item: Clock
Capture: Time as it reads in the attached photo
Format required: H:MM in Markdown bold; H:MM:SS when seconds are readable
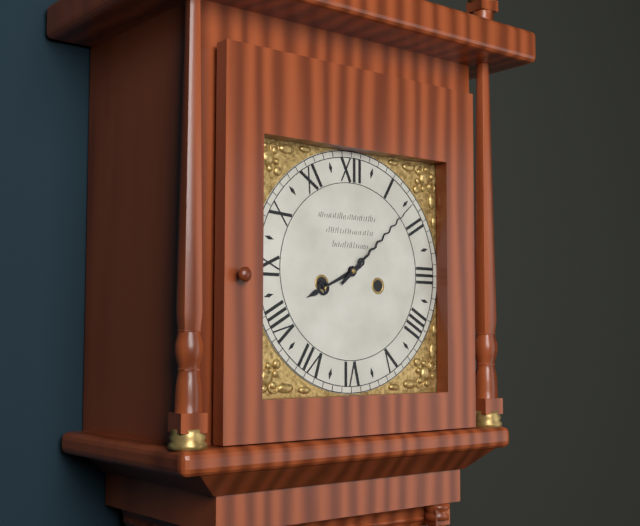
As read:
**8:08**
